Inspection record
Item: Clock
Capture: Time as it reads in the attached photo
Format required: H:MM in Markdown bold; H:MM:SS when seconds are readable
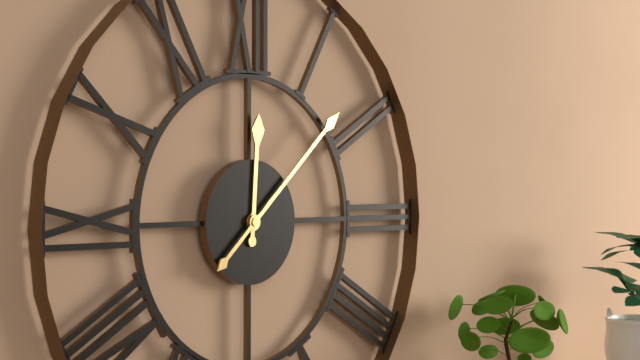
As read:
**12:08**
